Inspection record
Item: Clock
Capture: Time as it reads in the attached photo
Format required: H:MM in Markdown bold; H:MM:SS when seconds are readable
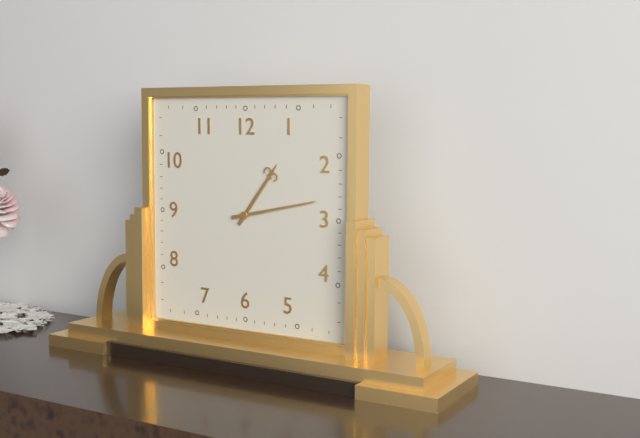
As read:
**1:13**
